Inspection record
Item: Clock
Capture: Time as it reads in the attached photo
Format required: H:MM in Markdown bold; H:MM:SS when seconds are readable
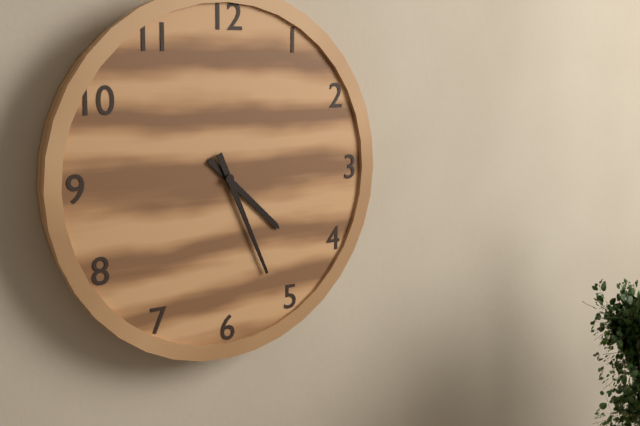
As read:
**4:26**
